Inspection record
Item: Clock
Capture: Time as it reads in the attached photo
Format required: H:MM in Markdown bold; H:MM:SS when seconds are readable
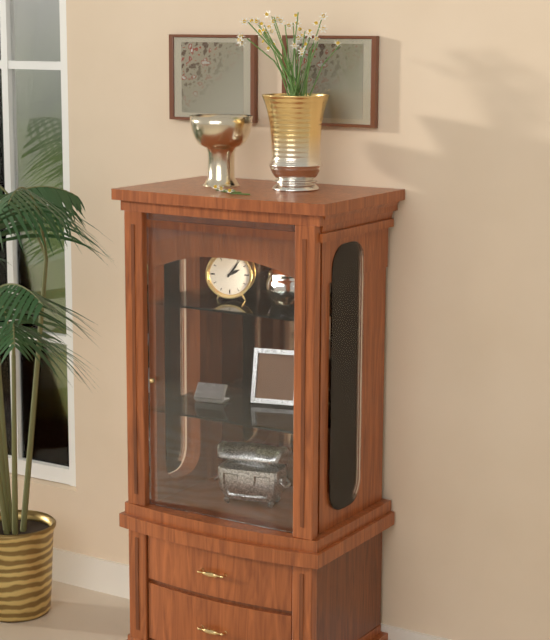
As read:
**2:06**
